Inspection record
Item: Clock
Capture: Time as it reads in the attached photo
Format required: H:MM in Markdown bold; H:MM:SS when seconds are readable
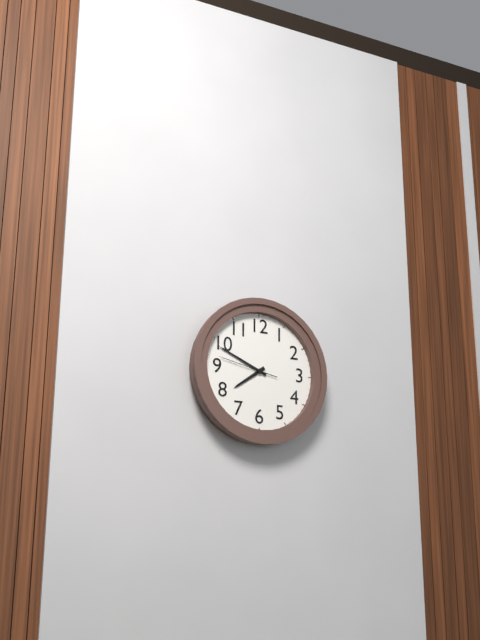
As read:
**7:49:47**
